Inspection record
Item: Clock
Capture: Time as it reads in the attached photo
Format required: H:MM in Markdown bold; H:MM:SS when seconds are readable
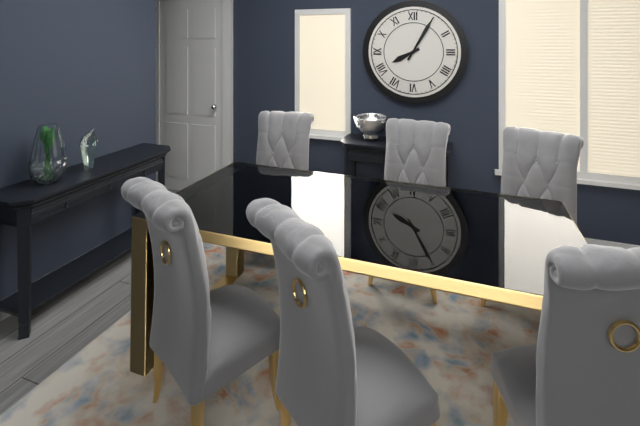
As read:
**8:05**
